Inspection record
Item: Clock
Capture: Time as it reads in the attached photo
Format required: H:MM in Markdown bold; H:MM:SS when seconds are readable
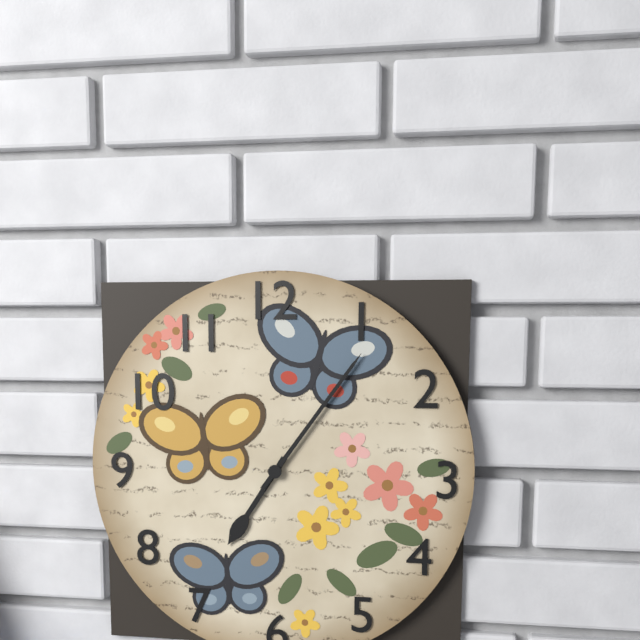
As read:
**7:06**
